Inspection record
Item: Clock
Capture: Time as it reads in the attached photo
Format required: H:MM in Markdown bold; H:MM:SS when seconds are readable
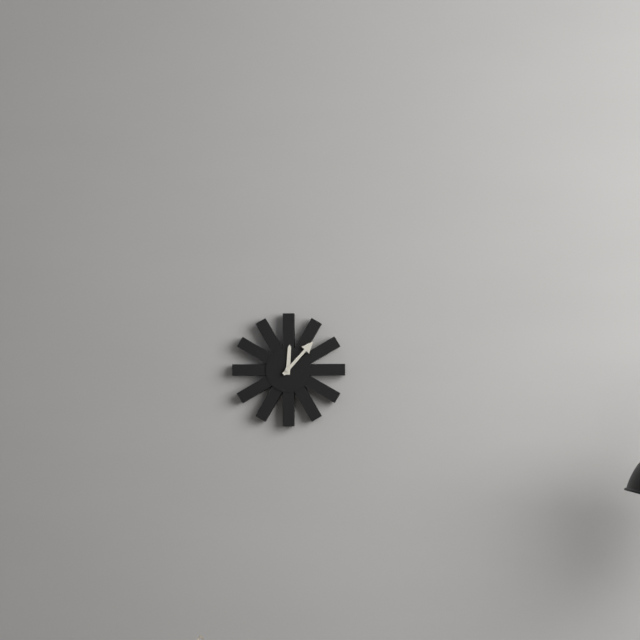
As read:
**12:07**
